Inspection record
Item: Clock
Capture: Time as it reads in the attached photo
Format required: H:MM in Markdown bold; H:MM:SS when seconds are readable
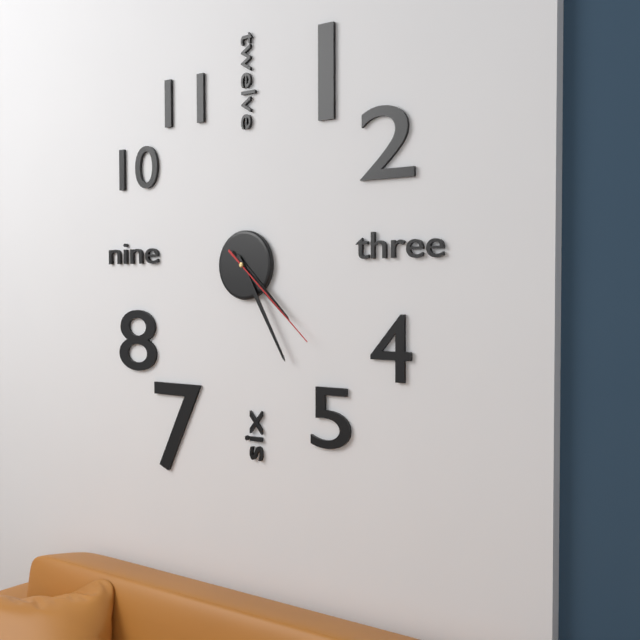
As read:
**4:25:22**
